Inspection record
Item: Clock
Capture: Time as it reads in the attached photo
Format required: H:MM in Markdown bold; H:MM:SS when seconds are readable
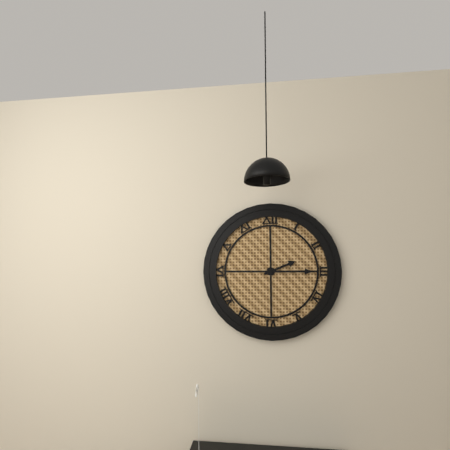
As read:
**2:15**
